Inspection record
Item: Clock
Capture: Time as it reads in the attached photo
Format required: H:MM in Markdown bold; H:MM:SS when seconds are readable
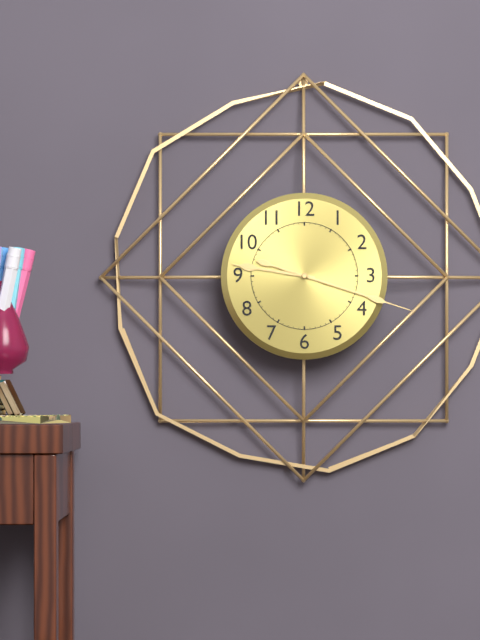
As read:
**9:18**
